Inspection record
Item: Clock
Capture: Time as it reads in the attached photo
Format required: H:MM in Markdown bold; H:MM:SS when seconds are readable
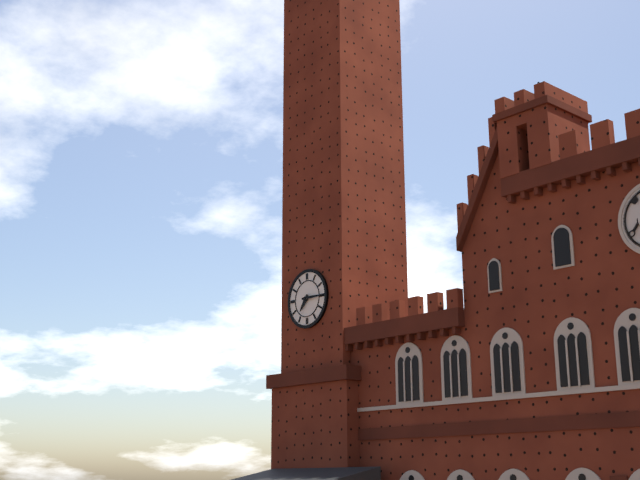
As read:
**7:15**
